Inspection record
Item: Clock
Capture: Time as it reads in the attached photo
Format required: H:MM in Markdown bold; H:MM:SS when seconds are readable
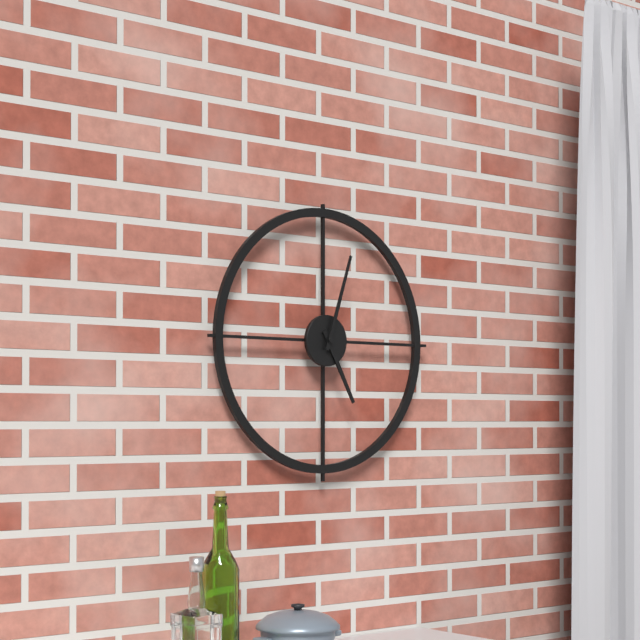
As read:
**5:03**
